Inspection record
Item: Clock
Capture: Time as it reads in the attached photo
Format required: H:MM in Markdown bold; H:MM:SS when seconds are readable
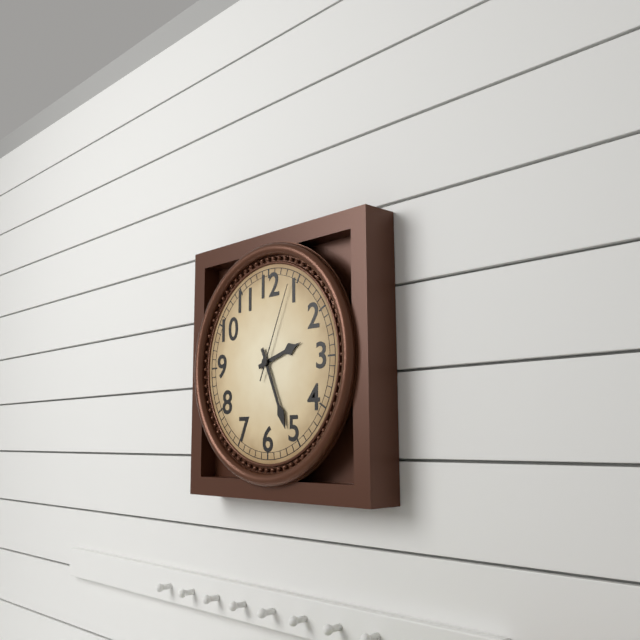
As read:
**2:26:04**
